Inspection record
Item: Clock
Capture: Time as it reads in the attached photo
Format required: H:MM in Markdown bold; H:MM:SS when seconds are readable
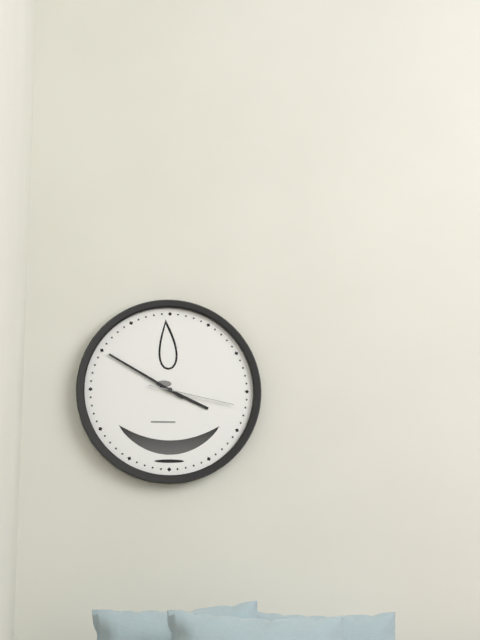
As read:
**3:50:17**
